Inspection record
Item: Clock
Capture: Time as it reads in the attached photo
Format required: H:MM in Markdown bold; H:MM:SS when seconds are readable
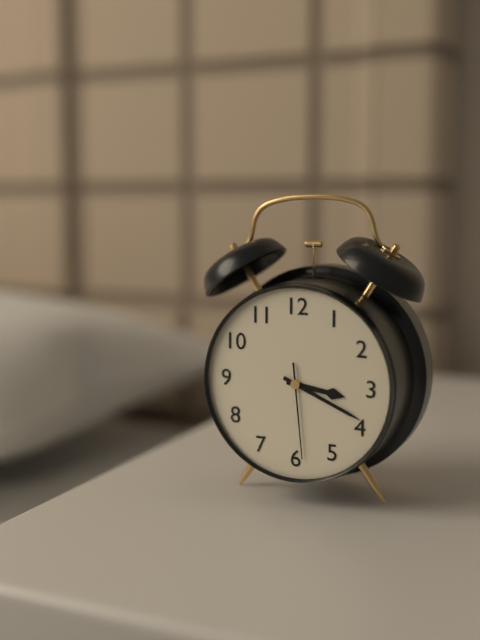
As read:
**3:19:29**
